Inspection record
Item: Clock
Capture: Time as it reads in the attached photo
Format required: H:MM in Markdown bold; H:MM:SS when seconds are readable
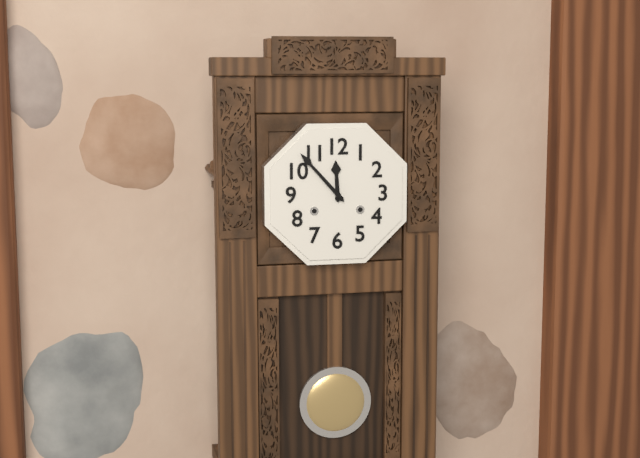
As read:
**11:53**
